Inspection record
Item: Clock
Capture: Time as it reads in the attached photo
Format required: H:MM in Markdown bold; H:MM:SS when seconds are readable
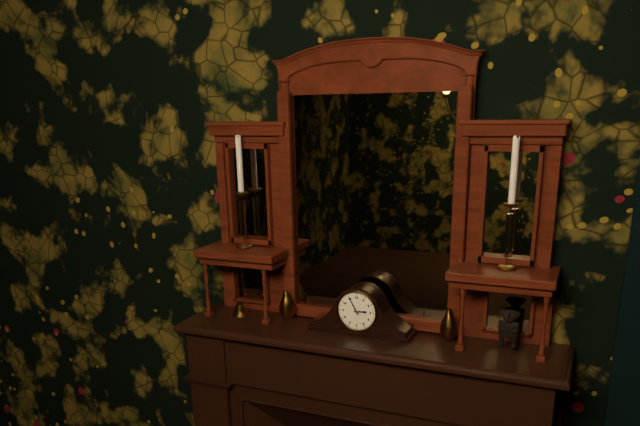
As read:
**2:55**
